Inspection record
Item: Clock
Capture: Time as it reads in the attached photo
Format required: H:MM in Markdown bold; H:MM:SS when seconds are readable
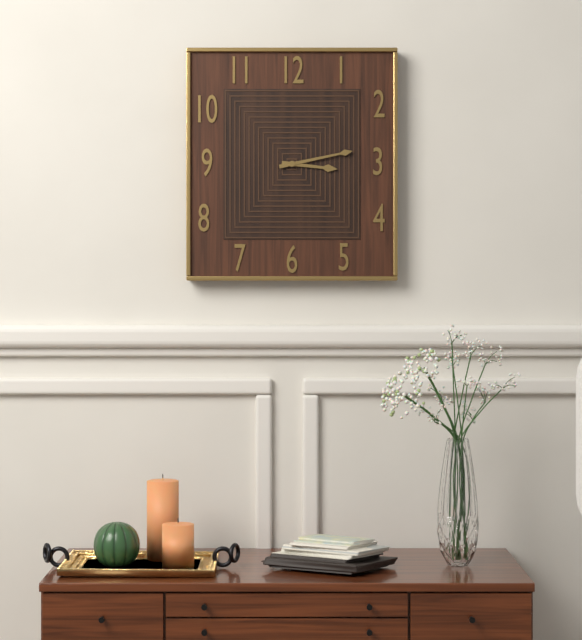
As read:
**3:13**
